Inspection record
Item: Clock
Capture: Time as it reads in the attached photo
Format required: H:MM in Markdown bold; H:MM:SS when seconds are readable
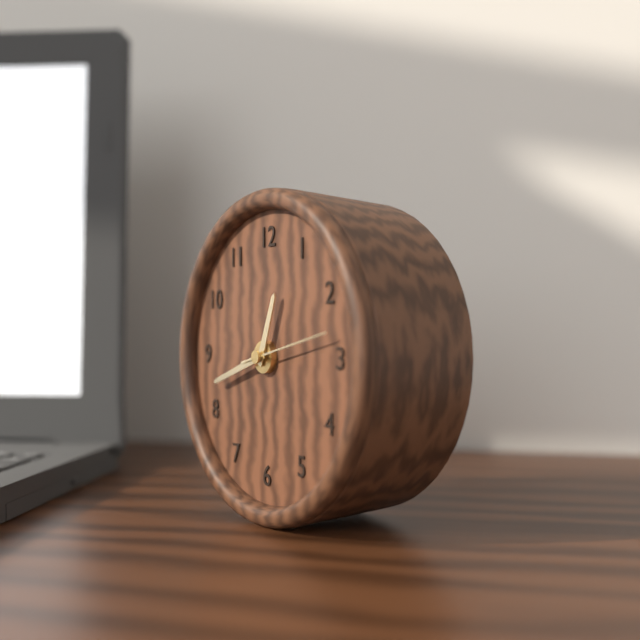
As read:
**12:42:13**
